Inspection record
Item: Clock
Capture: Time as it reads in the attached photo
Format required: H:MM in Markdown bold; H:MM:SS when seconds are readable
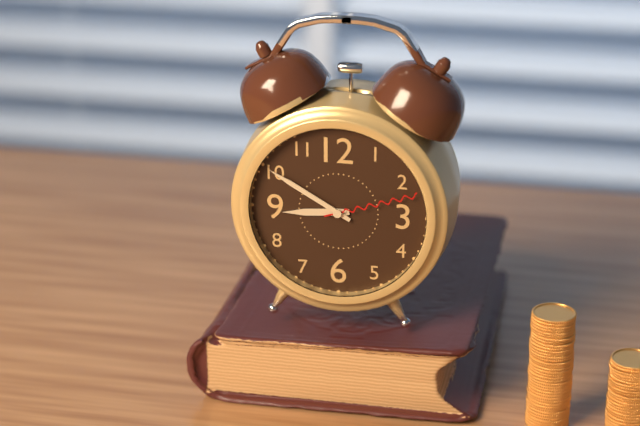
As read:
**8:50:12**
